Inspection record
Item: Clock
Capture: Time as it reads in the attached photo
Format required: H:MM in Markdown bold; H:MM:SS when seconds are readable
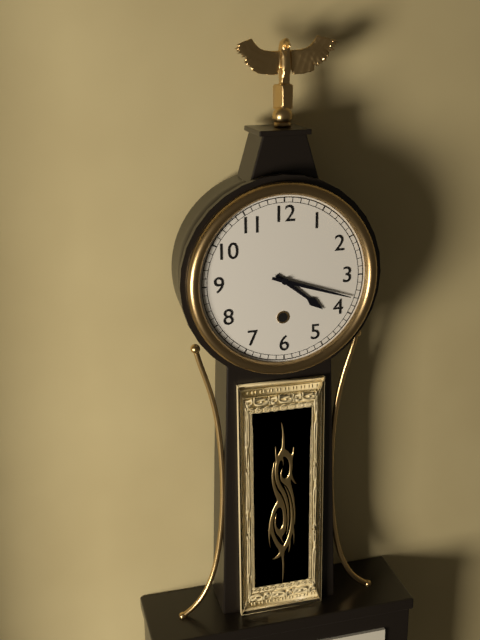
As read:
**4:18**
